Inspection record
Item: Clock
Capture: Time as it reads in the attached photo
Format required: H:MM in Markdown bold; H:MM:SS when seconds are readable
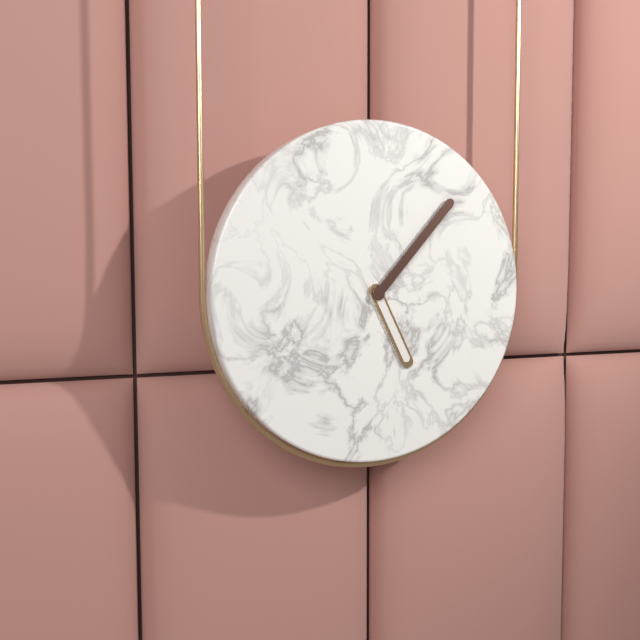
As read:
**5:07**
